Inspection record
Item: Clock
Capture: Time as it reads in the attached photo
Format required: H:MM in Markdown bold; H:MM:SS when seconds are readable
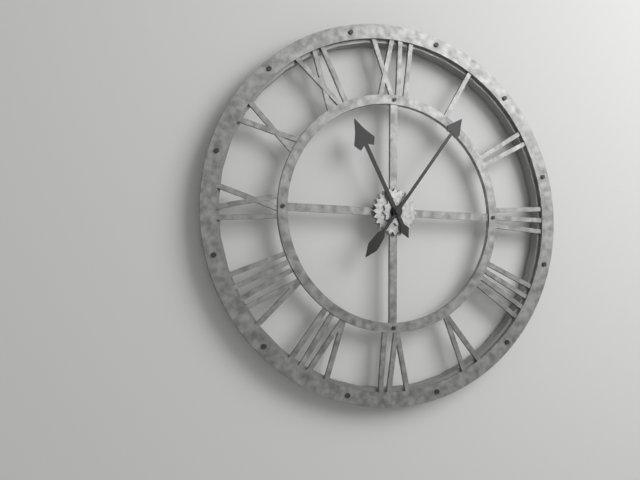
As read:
**11:06**
